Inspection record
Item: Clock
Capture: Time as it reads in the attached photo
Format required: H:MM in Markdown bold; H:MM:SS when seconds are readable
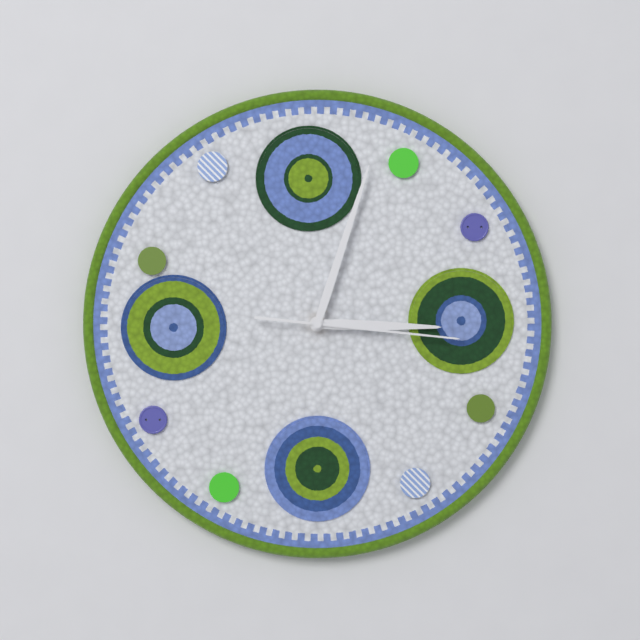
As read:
**3:03:16**
